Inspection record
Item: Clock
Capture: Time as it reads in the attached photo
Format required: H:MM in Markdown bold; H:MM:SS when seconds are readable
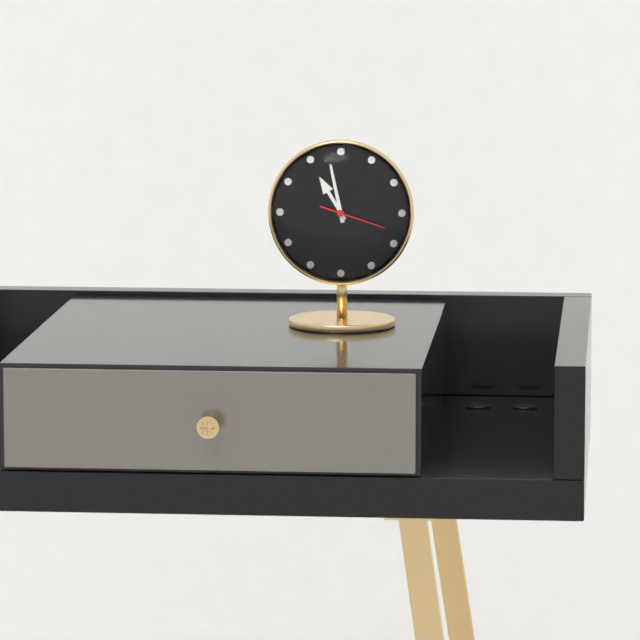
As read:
**10:58:18**
